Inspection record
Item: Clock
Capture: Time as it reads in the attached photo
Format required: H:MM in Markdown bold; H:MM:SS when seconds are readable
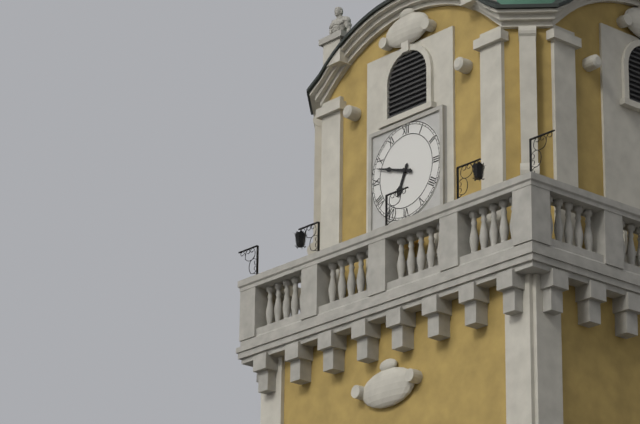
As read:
**6:48**
